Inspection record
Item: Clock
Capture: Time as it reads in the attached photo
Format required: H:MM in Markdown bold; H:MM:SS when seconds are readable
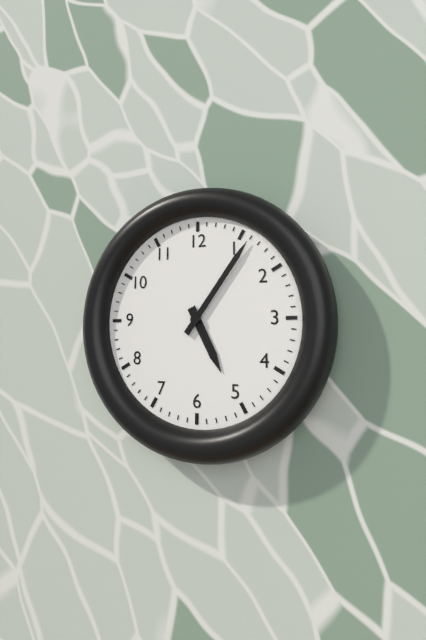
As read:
**5:06**
